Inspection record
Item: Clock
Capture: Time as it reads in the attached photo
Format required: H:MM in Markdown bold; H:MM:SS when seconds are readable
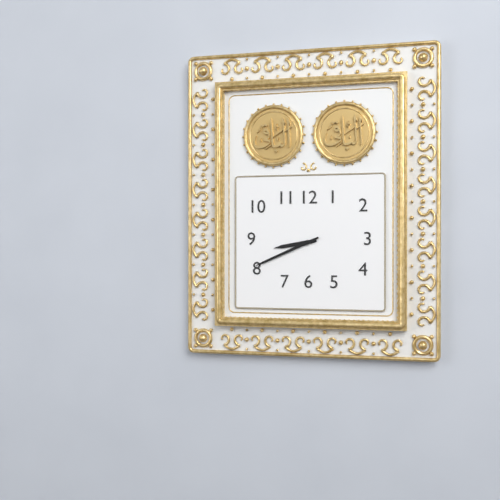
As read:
**8:41**
